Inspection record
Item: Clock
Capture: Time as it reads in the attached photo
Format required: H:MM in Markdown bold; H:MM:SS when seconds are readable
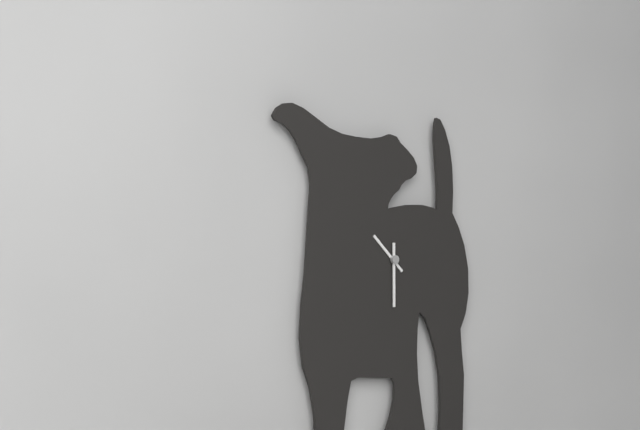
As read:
**10:30**
